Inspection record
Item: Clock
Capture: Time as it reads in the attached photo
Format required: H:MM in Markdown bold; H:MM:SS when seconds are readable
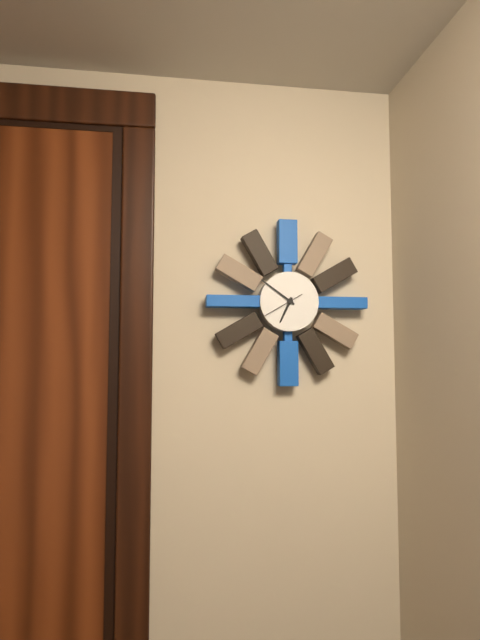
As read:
**6:51**
